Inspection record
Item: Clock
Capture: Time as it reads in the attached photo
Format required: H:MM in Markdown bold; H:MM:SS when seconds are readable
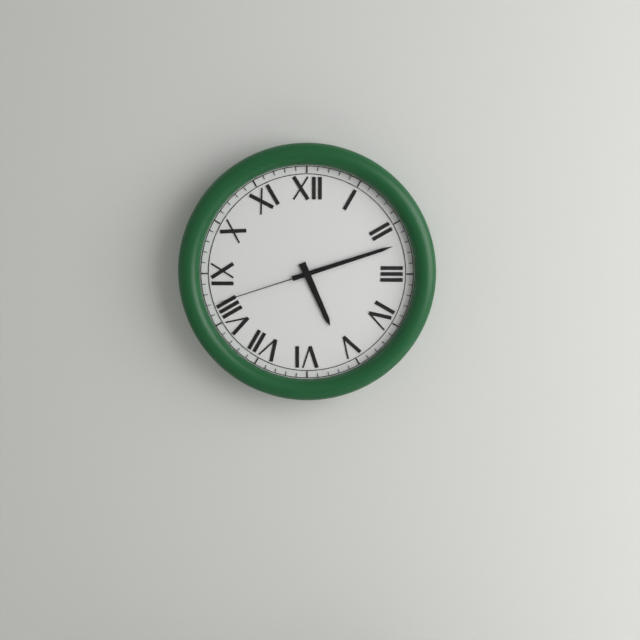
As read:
**5:12:42**
